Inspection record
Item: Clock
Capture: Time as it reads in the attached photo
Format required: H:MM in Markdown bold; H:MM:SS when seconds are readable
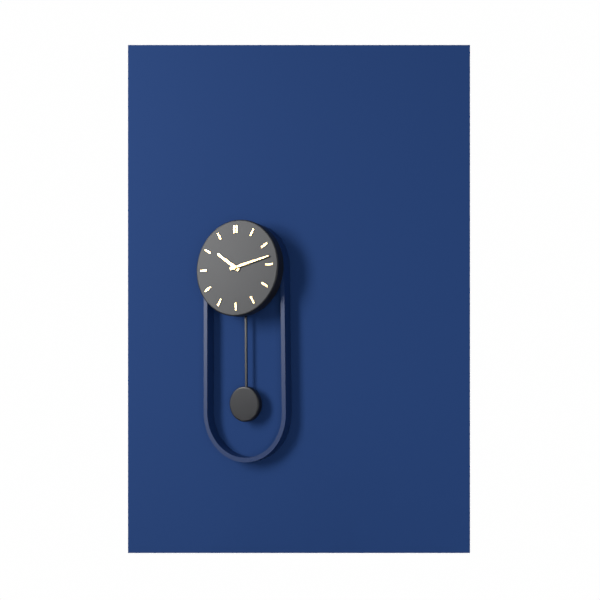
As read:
**10:13**
